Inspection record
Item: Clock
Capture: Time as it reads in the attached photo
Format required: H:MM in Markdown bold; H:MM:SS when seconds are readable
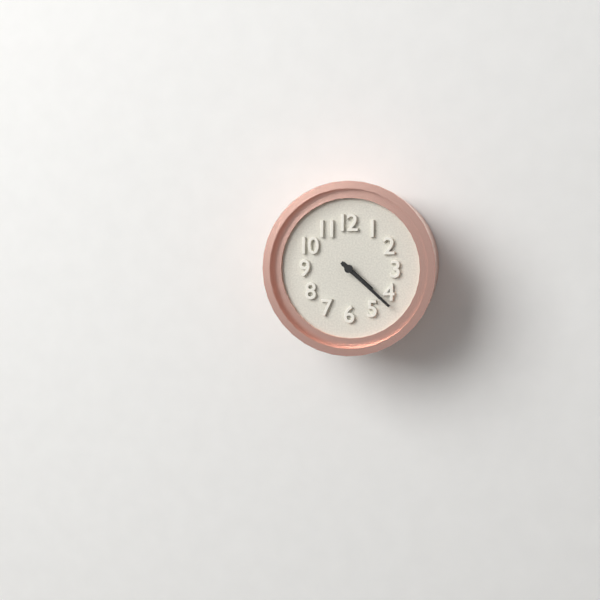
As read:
**4:22**
